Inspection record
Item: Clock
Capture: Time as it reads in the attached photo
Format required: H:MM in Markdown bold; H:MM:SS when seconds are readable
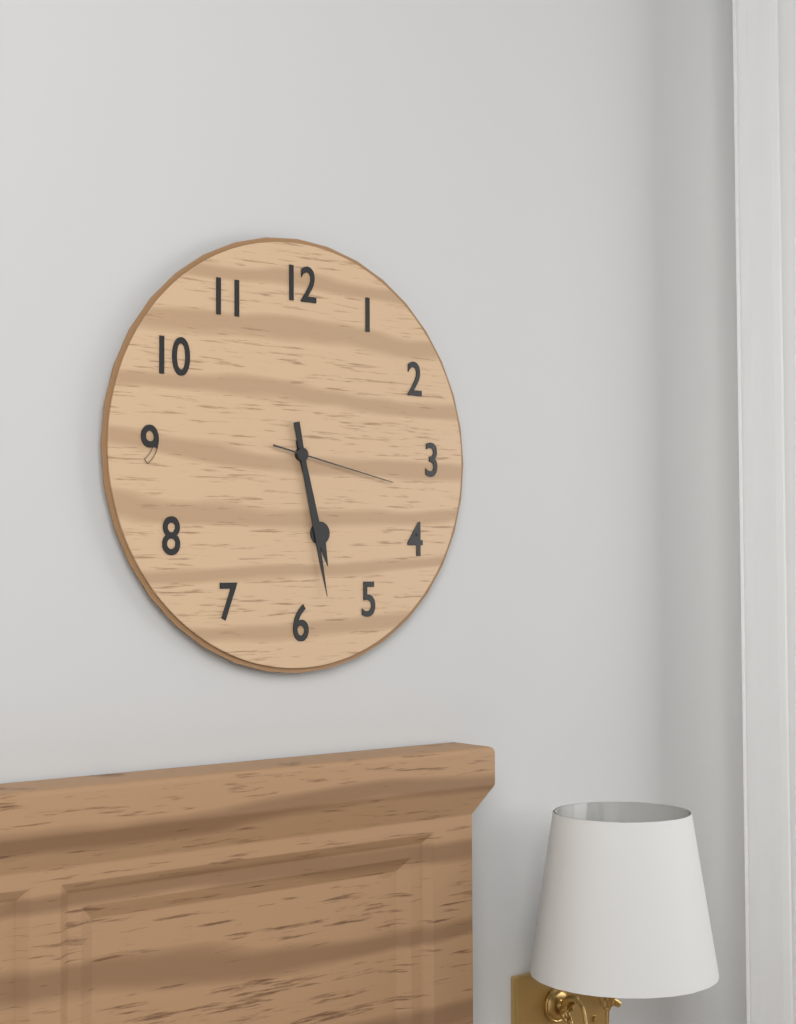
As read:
**5:28:17**
